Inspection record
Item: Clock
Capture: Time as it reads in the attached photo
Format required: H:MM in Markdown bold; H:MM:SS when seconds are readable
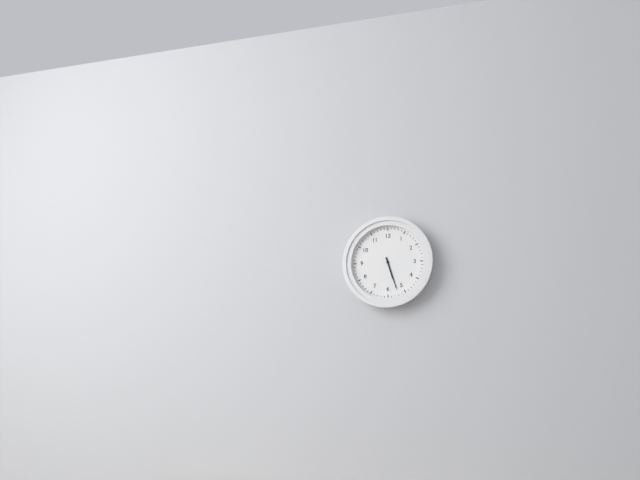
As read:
**5:27**
